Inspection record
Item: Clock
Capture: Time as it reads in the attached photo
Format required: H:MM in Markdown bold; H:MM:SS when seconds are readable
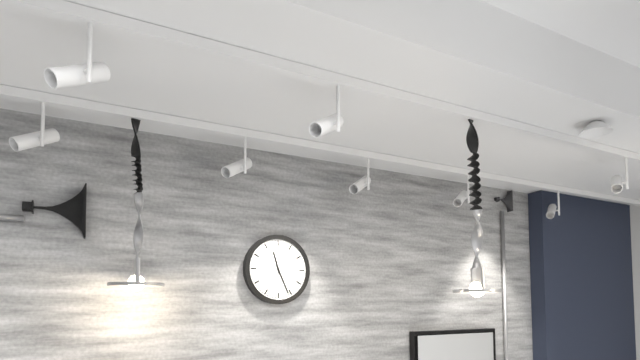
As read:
**11:26**
